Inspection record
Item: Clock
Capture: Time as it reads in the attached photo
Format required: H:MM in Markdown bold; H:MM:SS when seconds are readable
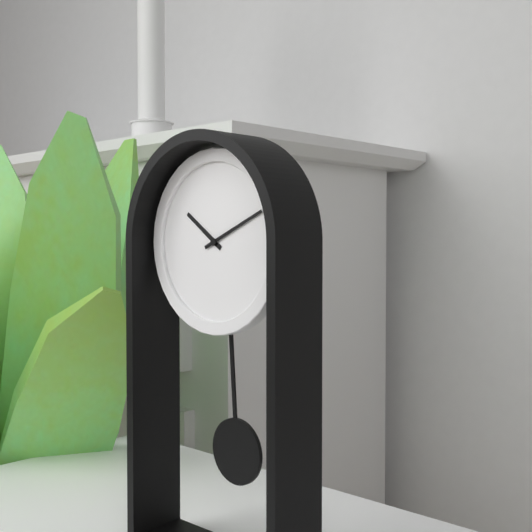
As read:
**10:11**
